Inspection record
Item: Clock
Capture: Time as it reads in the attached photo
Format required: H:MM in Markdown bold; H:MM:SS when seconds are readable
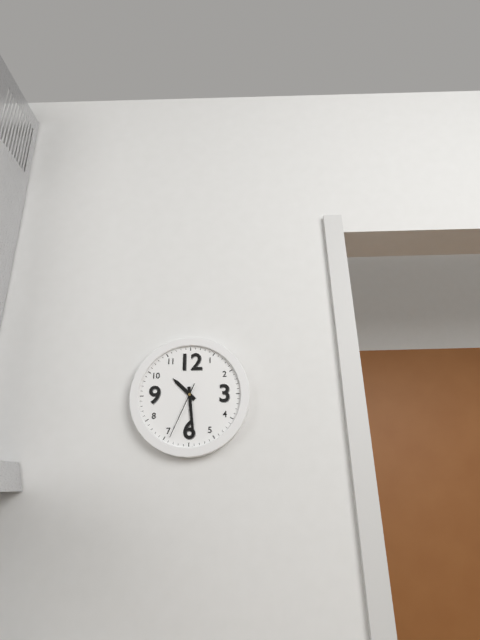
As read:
**10:29:34**
